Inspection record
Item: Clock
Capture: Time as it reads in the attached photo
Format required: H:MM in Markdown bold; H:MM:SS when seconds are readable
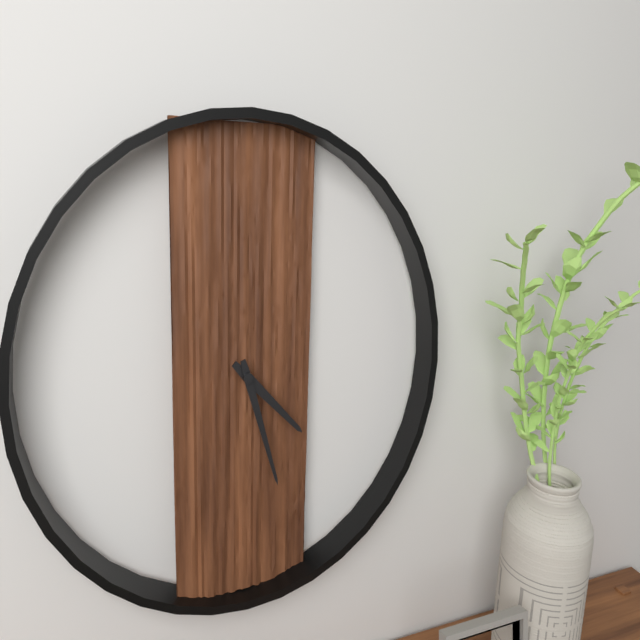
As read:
**4:27**
